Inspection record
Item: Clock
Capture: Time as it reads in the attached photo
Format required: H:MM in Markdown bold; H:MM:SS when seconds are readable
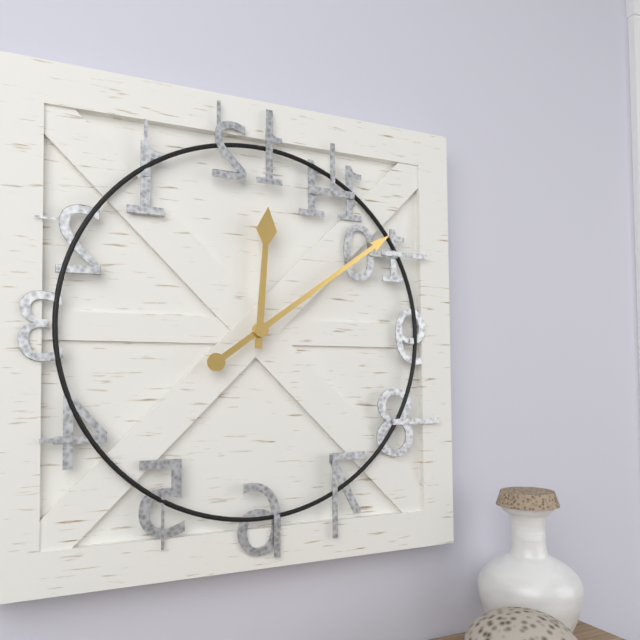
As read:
**12:09**
